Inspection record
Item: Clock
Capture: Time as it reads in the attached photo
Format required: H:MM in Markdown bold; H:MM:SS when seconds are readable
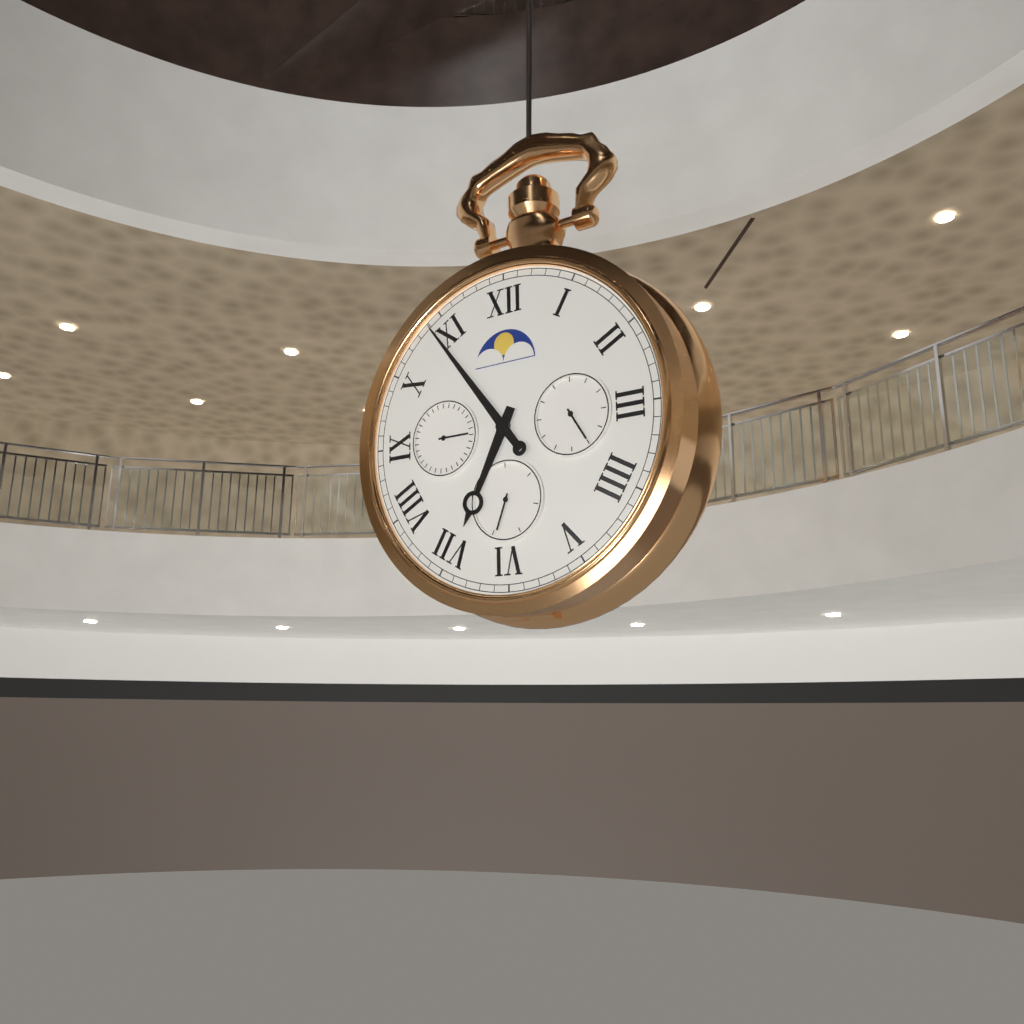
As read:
**6:54**
